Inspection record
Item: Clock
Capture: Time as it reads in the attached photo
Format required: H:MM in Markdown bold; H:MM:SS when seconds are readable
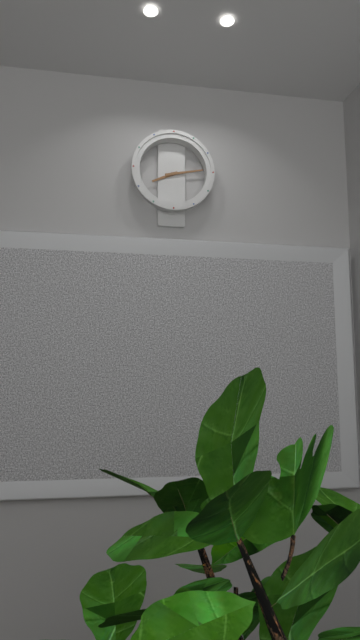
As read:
**8:13**
